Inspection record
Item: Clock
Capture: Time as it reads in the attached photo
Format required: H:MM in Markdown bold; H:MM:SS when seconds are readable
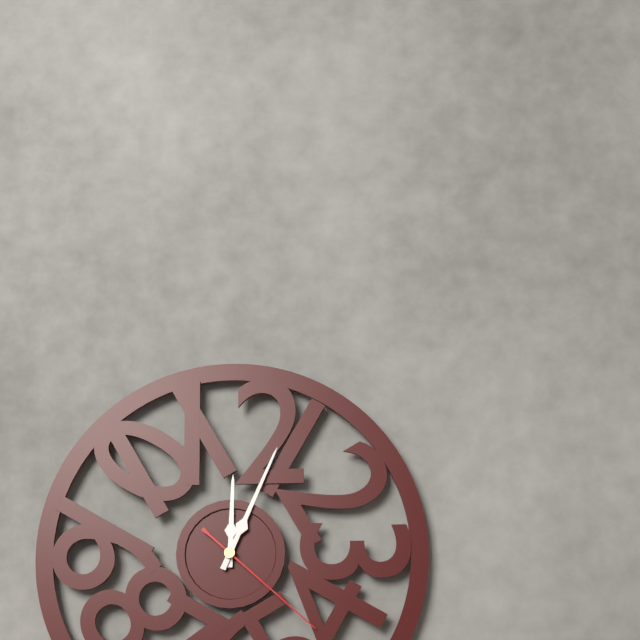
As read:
**12:04:22**
